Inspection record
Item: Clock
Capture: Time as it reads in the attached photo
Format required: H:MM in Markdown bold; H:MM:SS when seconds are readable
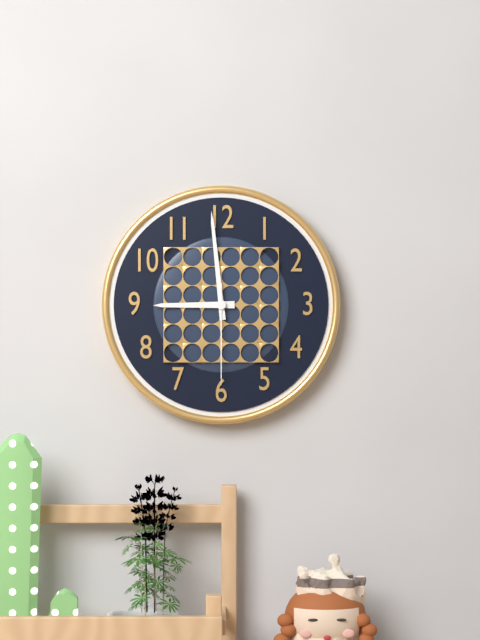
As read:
**8:59:30**
